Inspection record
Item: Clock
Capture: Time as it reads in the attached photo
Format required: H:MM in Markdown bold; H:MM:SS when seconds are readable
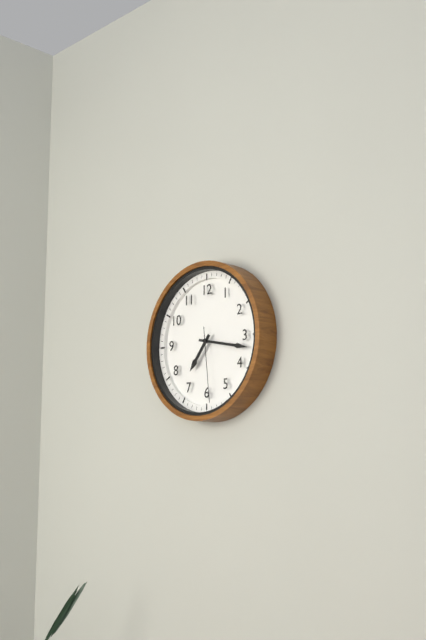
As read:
**7:17:29**
